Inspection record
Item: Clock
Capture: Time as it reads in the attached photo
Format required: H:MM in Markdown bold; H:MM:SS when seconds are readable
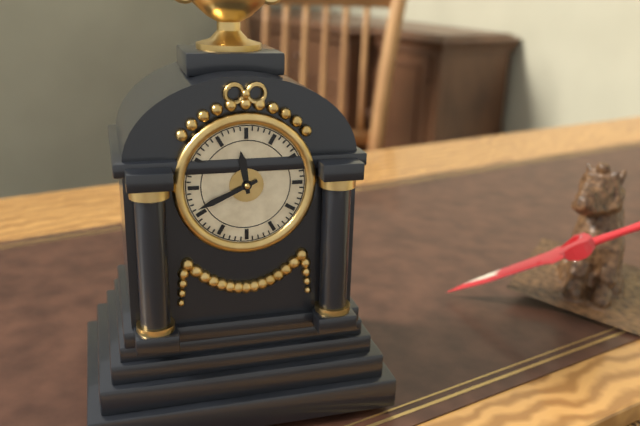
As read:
**11:41**
